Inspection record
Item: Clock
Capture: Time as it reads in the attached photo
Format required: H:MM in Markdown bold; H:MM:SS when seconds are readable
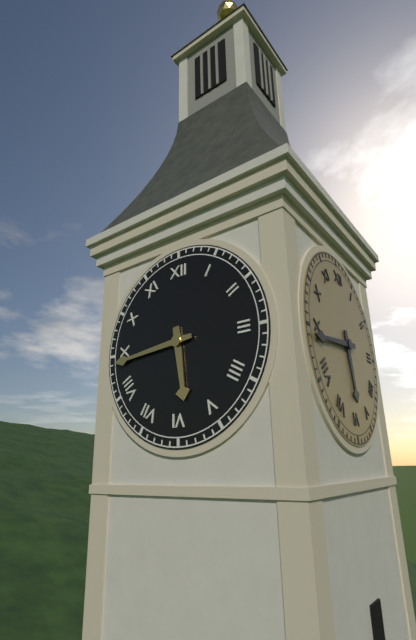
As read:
**5:44**
